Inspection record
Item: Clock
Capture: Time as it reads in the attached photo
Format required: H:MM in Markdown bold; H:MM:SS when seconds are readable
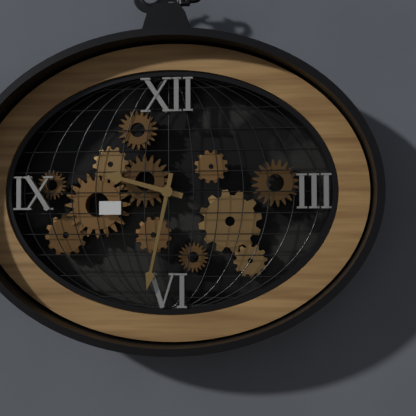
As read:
**9:32**
